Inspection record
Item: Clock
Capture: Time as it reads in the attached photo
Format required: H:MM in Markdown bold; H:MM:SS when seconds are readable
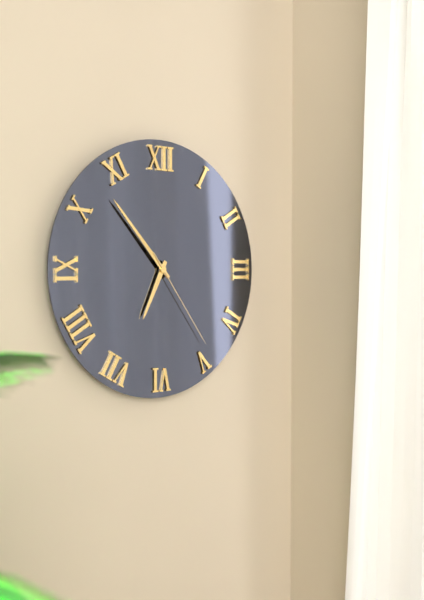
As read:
**6:53:24**
